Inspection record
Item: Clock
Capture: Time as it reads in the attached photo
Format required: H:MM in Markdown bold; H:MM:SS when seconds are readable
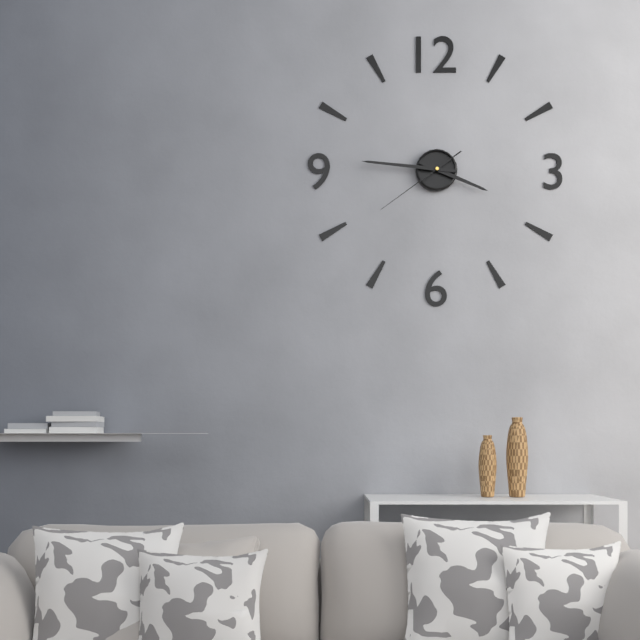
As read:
**3:46:39**
